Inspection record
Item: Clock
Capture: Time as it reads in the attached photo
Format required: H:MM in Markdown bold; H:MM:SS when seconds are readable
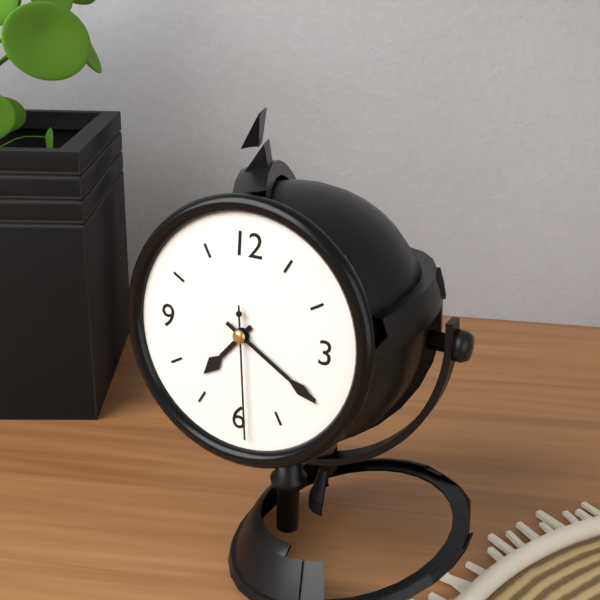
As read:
**7:20:29**
